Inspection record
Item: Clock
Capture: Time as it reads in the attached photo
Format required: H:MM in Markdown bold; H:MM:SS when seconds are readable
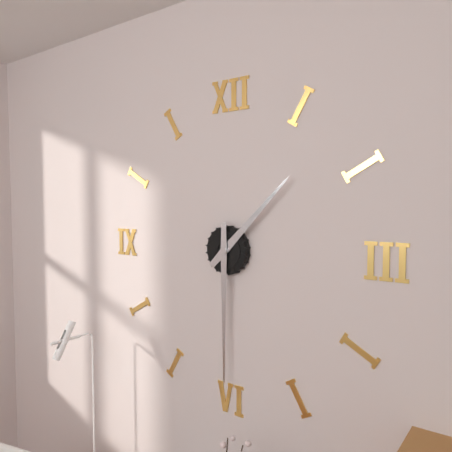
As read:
**1:30**
